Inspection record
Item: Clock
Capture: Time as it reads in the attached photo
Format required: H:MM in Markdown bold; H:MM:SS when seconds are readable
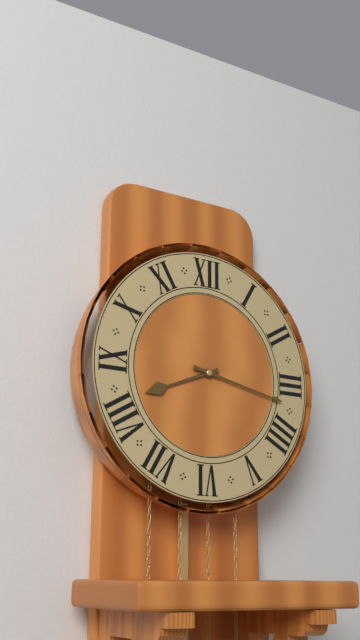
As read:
**8:17**
